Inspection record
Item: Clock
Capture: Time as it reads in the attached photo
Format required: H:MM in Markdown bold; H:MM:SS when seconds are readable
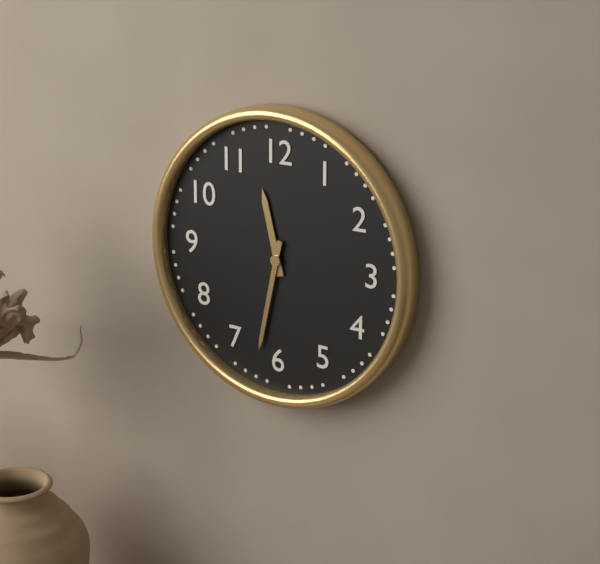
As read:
**11:32**
